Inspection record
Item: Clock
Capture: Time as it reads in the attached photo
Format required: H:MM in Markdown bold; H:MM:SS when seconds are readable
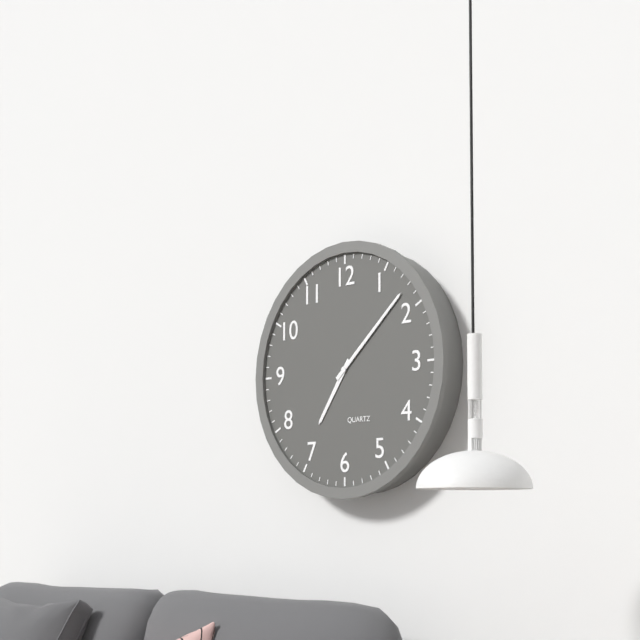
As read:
**7:08**
